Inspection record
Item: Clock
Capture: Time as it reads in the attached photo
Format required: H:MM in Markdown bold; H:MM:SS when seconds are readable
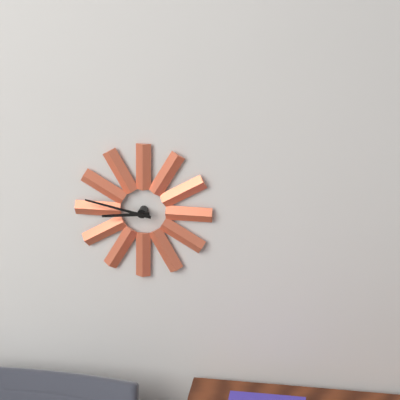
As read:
**8:47**
